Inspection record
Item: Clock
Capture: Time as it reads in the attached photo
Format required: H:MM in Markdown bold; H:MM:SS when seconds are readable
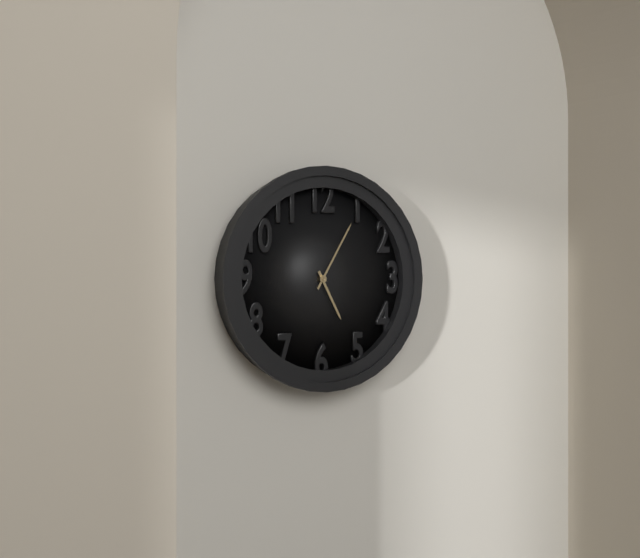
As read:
**5:05**
